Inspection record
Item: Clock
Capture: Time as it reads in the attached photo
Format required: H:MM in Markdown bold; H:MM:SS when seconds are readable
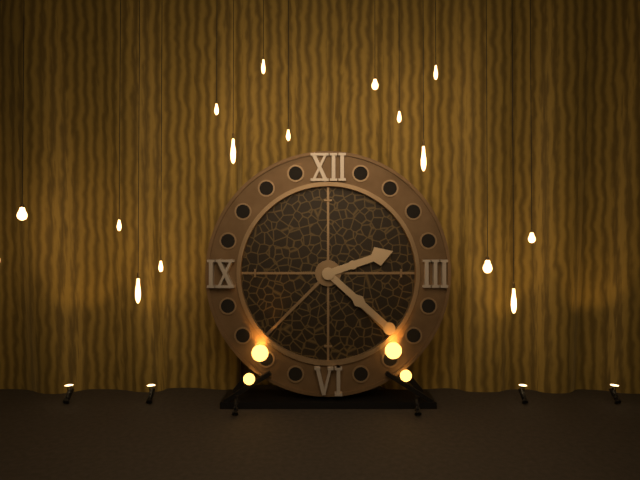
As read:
**2:22**
